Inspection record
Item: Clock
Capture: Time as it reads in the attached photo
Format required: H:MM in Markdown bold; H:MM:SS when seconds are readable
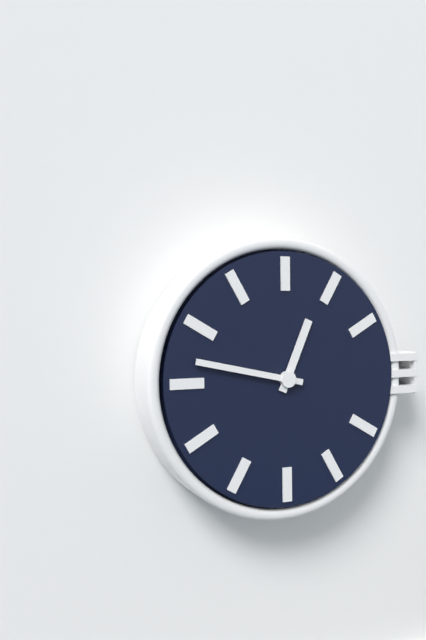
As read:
**12:47**
